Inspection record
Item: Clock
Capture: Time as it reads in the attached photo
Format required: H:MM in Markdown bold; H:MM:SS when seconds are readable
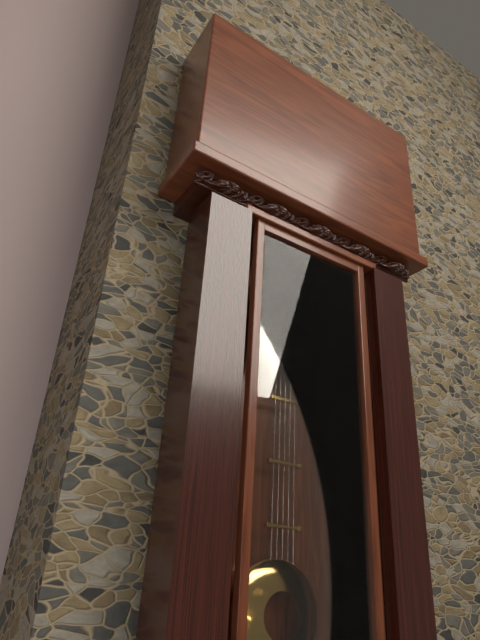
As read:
**3:16**
